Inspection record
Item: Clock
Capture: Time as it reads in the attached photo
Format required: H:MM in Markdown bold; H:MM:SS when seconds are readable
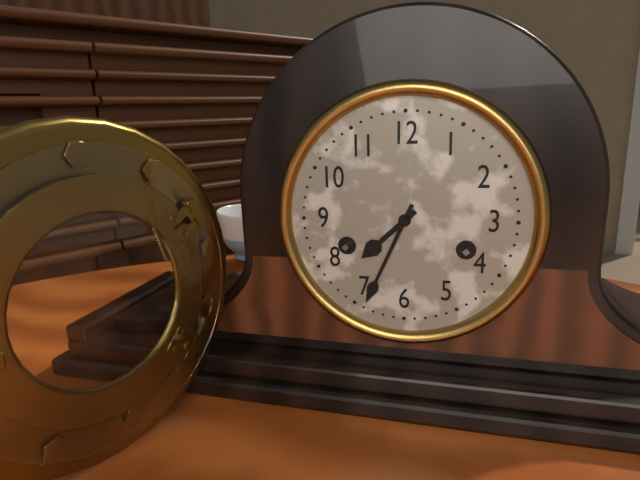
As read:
**7:34**
